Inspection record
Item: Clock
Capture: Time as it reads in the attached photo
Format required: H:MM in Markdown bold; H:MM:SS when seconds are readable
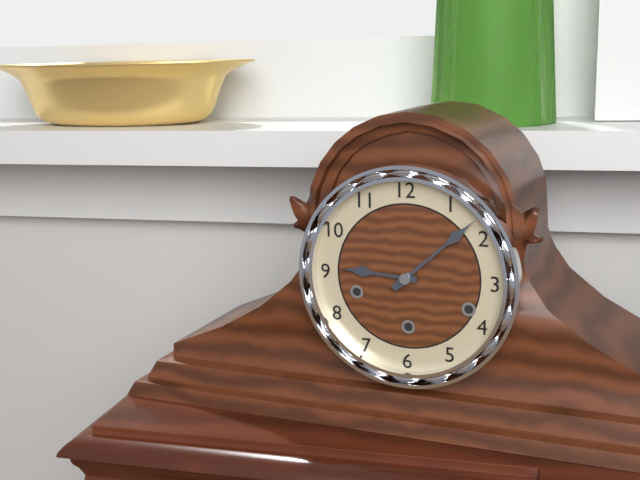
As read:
**9:08**
